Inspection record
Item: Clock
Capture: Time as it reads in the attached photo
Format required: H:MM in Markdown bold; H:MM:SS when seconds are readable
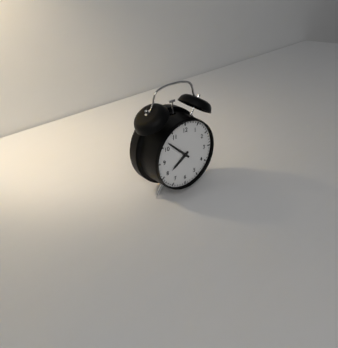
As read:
**7:52**
